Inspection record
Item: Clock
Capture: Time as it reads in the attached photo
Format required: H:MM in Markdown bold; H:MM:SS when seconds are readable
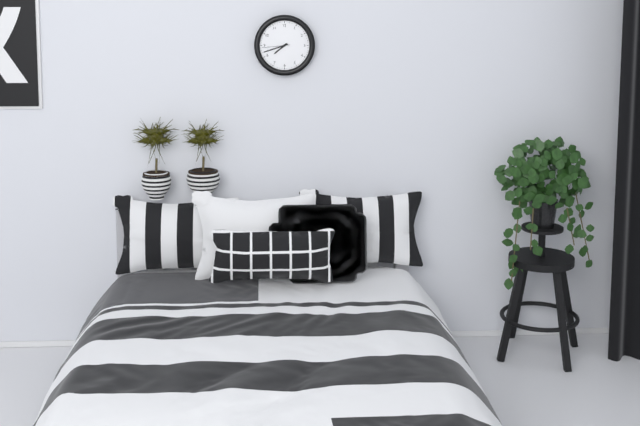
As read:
**7:42**
